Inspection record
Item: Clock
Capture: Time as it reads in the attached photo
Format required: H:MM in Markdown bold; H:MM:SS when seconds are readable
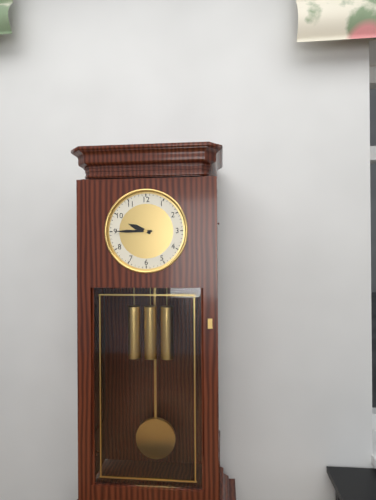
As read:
**9:45**
